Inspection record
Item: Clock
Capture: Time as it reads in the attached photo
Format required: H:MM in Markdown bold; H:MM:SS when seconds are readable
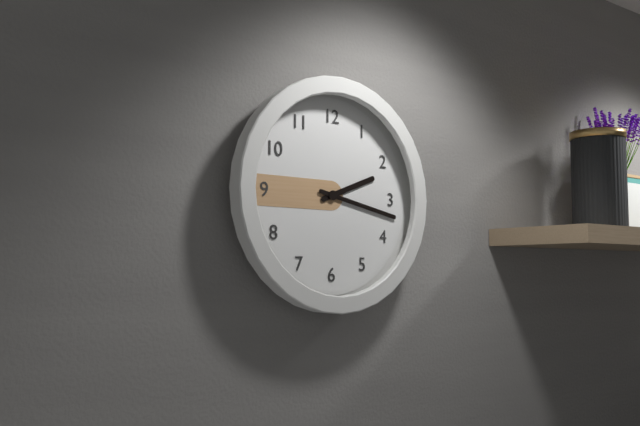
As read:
**2:17**
